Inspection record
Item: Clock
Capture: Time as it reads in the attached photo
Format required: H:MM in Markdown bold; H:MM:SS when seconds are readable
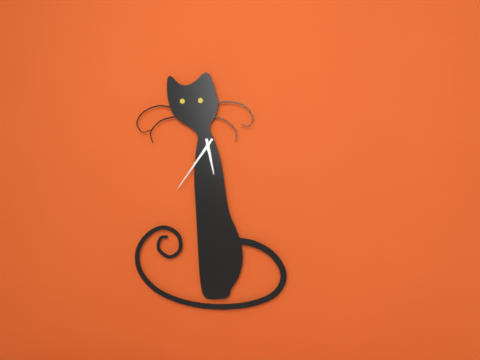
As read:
**5:36**
